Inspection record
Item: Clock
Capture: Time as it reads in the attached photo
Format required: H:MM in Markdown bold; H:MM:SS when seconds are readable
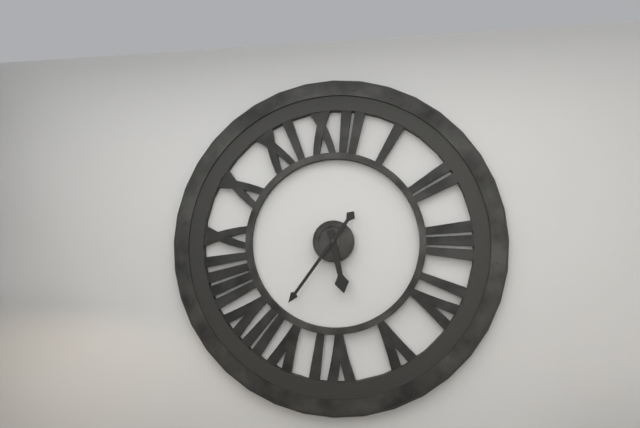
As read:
**5:36**
